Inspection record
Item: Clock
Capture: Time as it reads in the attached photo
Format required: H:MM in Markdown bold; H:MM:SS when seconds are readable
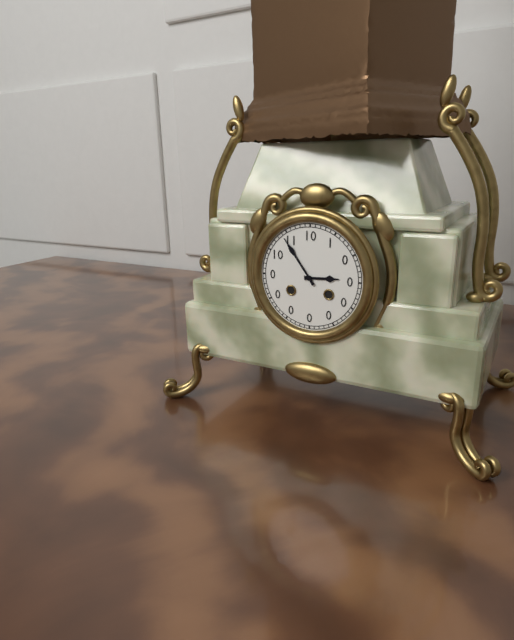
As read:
**2:54**
